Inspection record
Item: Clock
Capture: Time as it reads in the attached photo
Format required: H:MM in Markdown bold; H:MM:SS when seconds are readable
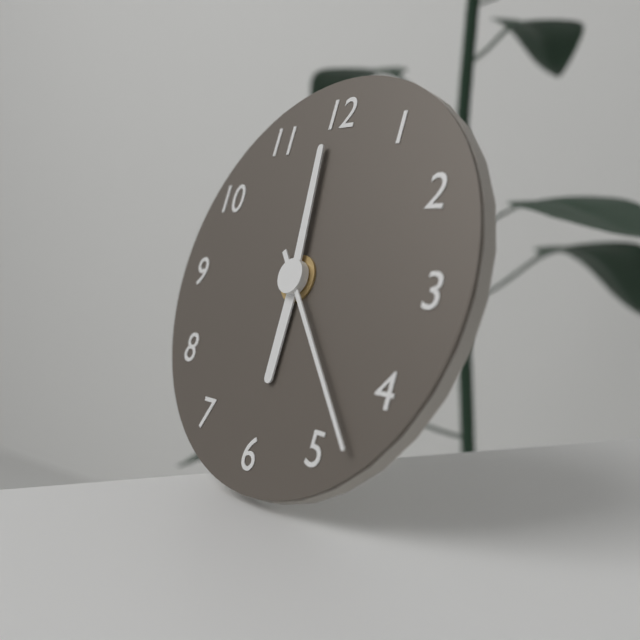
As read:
**5:59:23**
